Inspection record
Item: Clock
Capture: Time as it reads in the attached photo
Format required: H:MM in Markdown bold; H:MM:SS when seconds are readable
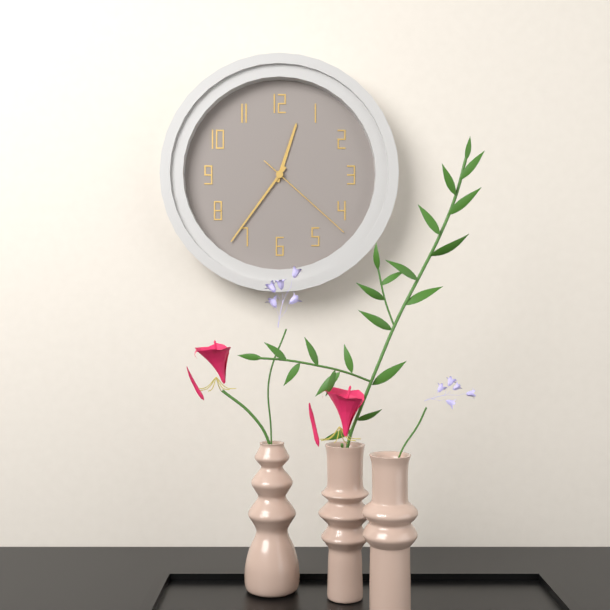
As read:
**12:36:22**
